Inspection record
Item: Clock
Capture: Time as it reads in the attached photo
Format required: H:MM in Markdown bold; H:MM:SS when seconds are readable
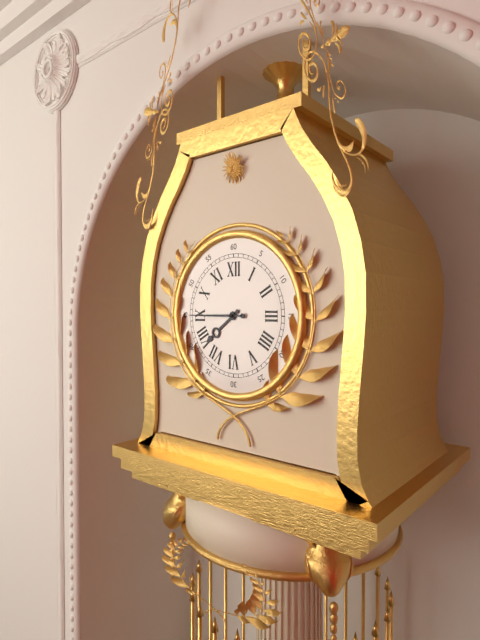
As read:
**7:45**
